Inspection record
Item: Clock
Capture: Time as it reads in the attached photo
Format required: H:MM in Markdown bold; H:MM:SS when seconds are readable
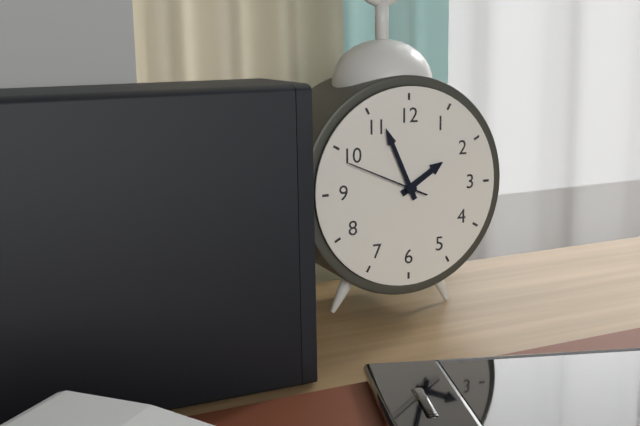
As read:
**1:56:49**
